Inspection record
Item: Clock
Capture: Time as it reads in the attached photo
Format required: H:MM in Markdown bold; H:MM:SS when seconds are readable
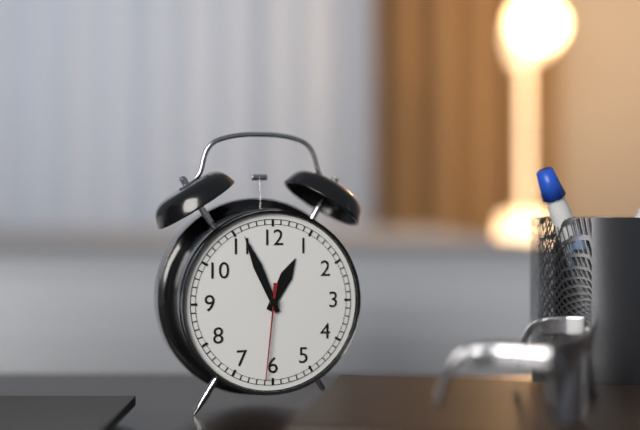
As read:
**12:56:31**
